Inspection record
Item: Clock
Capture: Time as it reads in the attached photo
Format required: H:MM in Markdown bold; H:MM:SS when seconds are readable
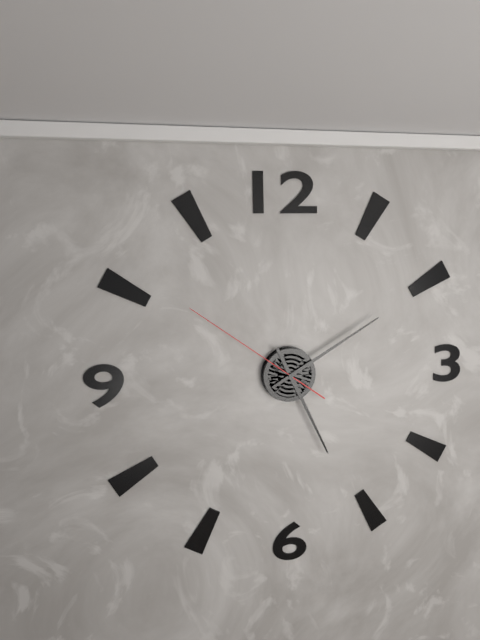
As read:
**5:10:51**
